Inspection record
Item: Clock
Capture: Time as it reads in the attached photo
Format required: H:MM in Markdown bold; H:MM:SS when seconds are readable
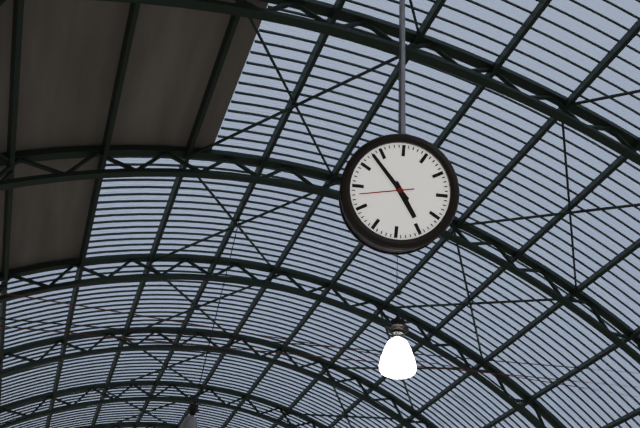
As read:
**4:53:43**
